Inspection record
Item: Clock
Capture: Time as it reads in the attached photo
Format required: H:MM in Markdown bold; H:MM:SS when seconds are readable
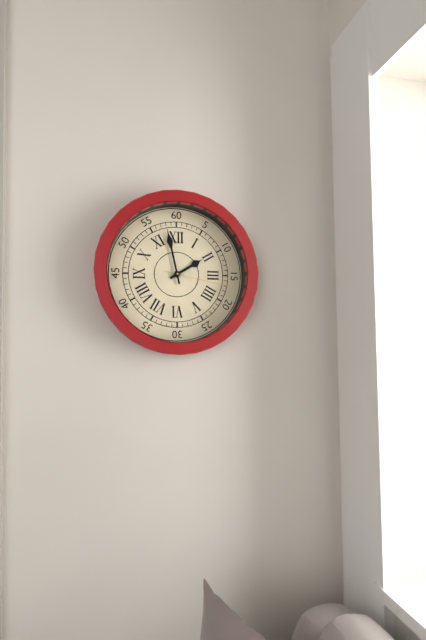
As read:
**1:58:17**
